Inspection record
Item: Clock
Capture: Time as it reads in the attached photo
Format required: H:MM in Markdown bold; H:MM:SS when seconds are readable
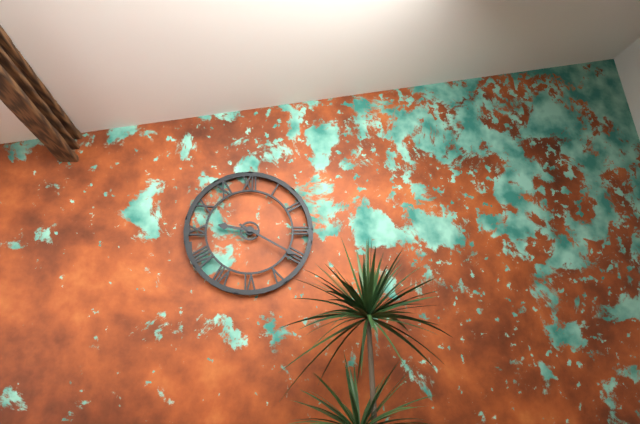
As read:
**9:20**
